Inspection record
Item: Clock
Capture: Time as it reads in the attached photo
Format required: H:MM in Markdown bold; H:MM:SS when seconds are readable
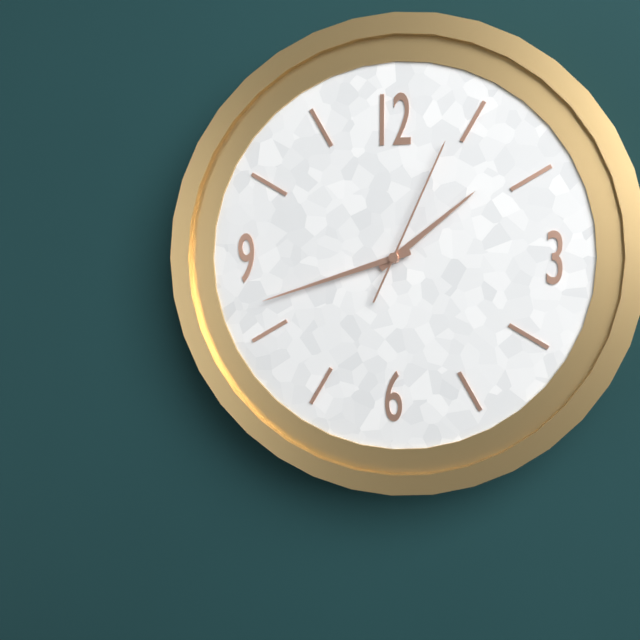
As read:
**1:42:04**
